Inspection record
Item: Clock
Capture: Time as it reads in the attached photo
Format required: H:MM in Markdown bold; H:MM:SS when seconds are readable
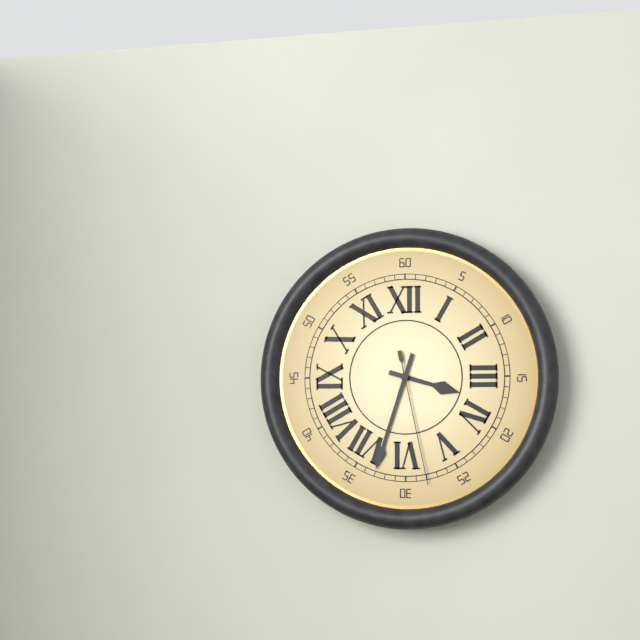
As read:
**3:33:28**
